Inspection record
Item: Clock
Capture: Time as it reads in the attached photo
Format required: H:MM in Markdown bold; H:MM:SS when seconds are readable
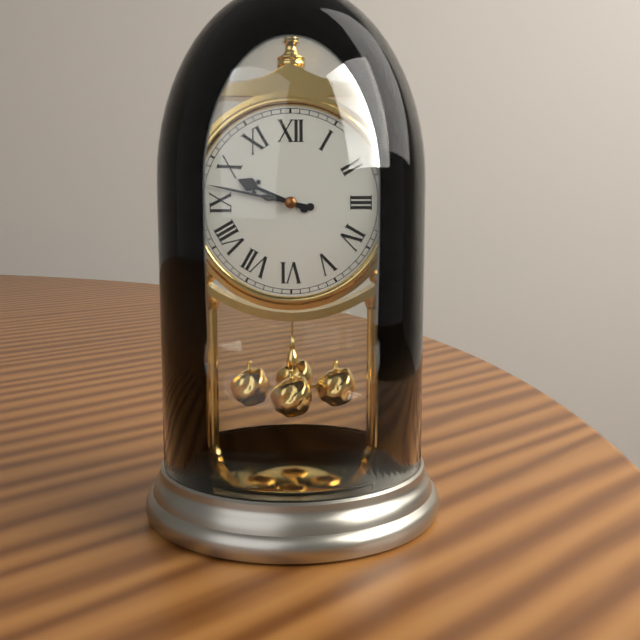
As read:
**9:47**
